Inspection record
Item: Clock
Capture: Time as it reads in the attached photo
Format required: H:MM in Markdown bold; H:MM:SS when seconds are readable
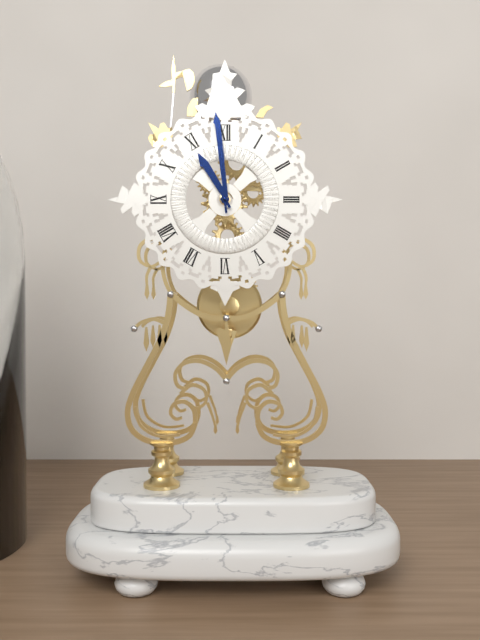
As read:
**10:59**
